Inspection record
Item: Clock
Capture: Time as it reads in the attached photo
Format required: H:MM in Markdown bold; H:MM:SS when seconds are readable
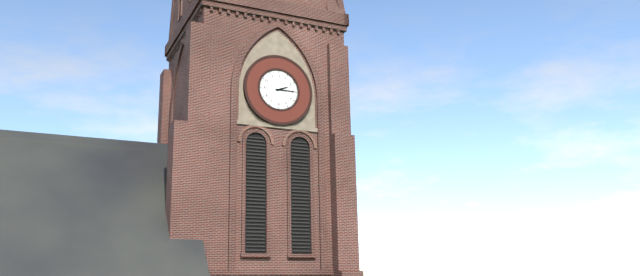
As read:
**2:15**
